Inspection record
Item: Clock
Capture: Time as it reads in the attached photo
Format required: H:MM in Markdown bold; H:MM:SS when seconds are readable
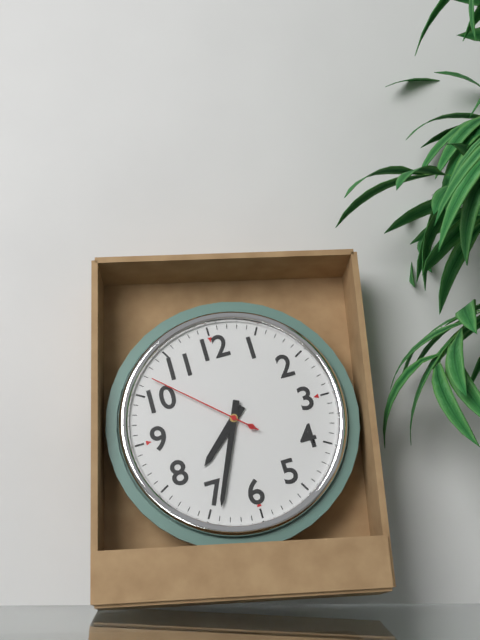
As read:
**7:34:52**
